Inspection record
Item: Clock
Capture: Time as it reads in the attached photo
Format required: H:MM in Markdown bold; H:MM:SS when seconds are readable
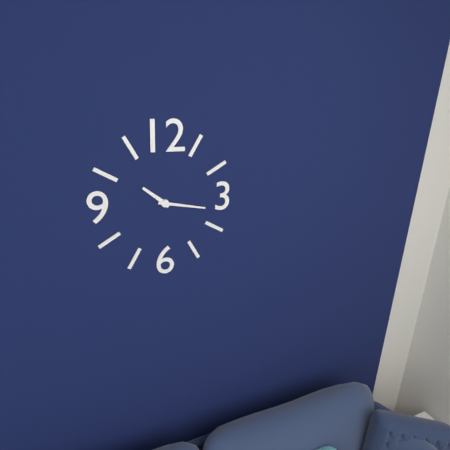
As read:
**10:17**
